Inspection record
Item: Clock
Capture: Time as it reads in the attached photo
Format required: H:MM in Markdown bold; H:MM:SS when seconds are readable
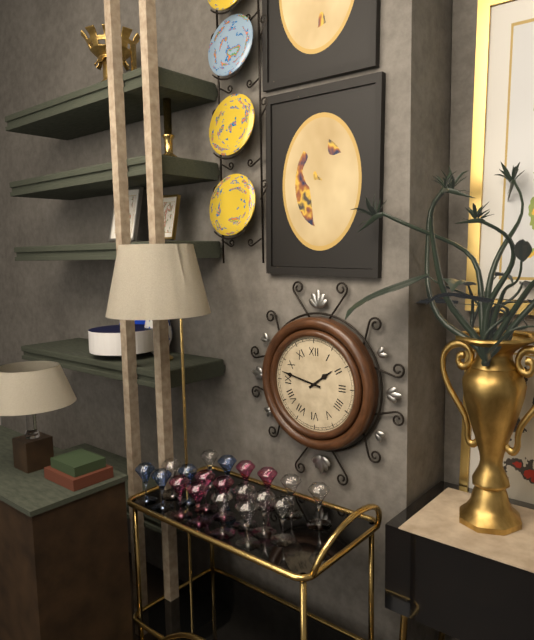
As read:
**1:47**
